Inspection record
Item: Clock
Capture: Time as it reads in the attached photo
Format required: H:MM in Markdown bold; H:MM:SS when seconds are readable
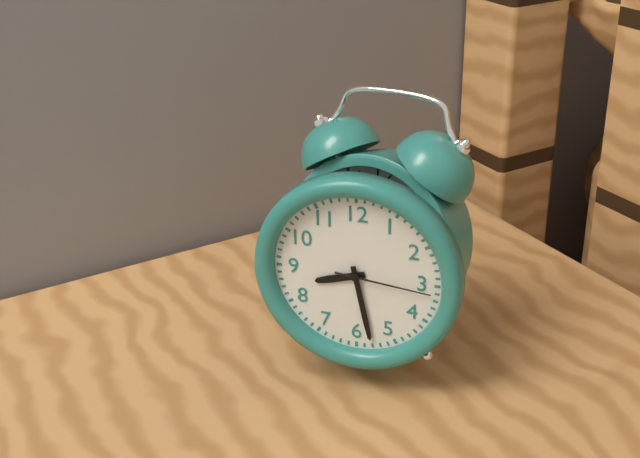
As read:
**8:28:16**
